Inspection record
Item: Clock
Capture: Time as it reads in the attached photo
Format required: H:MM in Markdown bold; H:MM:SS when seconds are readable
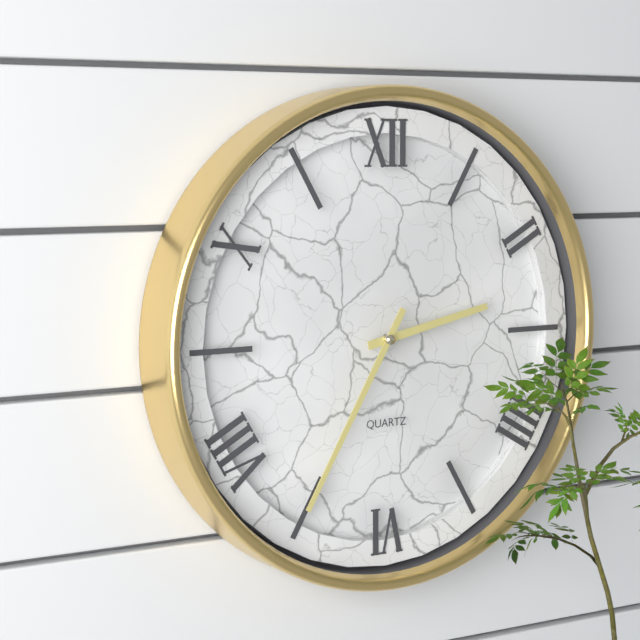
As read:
**2:35**
